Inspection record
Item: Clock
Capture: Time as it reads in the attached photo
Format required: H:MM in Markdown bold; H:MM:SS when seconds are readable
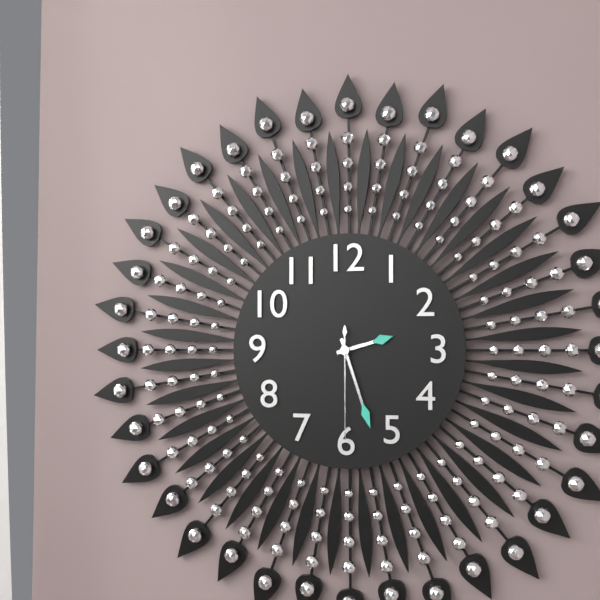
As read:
**2:27:30**
